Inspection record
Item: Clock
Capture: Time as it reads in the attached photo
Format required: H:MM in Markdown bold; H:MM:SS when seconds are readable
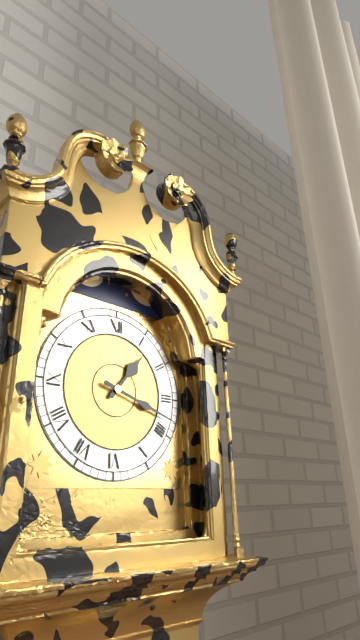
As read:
**1:18**
